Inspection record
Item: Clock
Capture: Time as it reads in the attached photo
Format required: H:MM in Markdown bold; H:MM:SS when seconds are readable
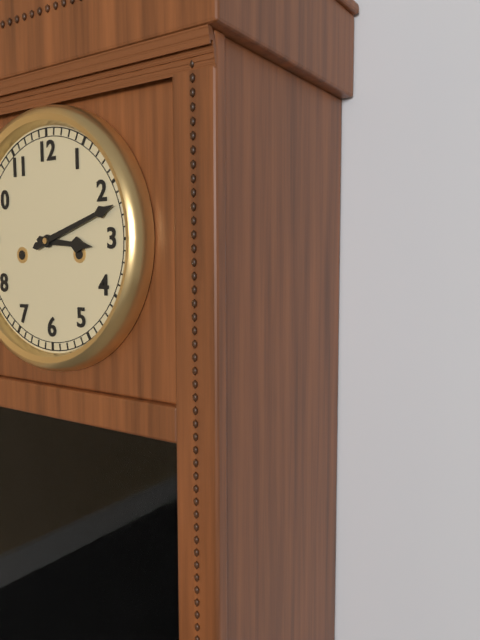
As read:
**3:12**
